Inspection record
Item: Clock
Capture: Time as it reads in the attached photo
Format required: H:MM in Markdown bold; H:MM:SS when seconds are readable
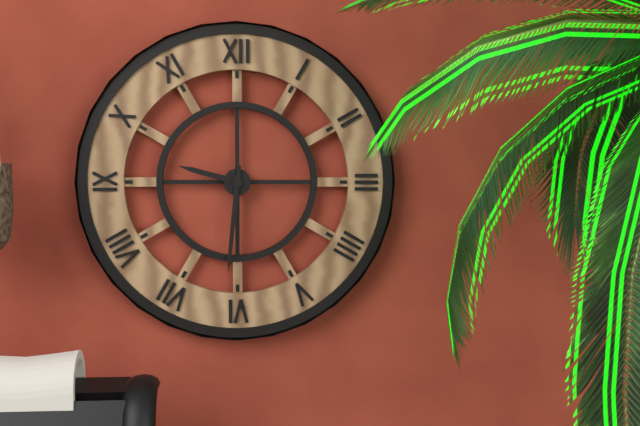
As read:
**9:31**
